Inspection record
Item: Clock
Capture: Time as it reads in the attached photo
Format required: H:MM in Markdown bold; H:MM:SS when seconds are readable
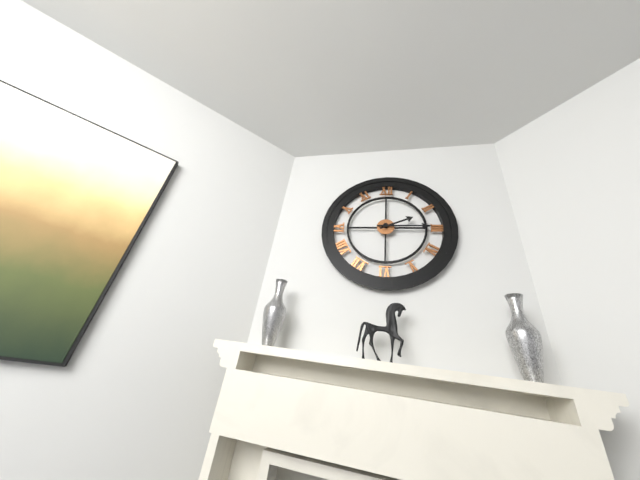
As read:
**2:15**
